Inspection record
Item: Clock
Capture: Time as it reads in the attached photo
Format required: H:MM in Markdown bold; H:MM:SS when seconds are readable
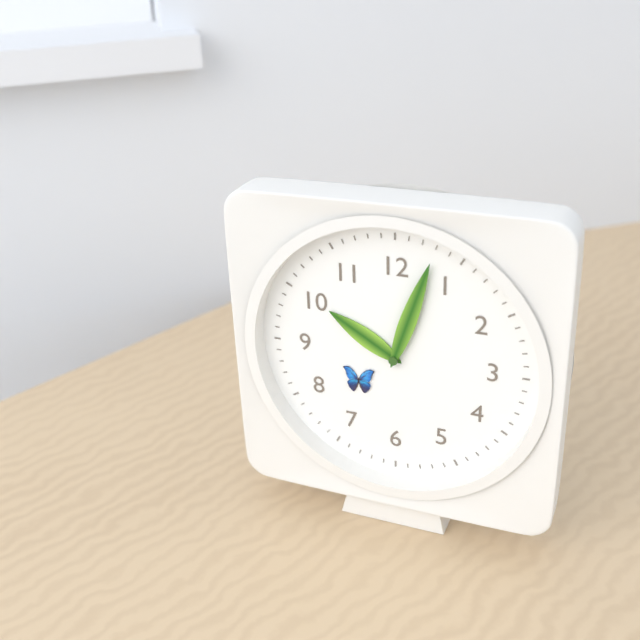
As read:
**10:03**
